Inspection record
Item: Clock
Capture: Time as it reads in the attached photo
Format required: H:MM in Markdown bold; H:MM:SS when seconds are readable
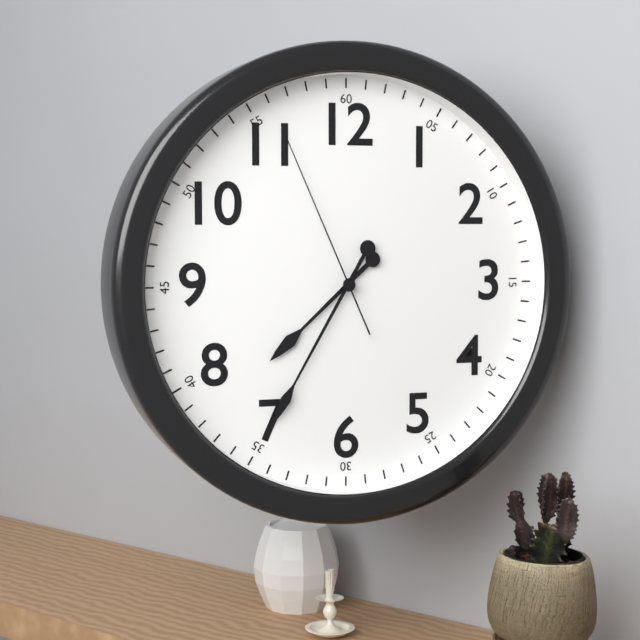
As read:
**7:35:56**
